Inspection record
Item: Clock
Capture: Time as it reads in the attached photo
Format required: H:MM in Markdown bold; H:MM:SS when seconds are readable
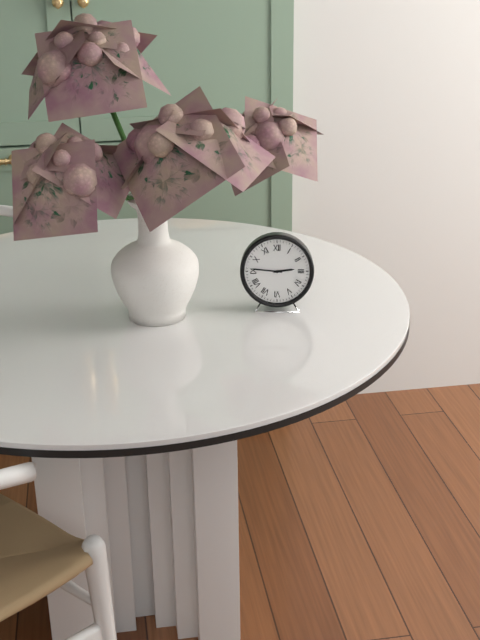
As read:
**2:46**
